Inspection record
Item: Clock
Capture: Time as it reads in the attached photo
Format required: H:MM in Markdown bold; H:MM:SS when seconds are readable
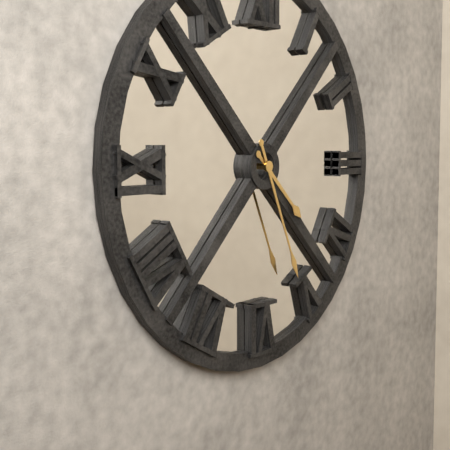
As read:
**4:26**
